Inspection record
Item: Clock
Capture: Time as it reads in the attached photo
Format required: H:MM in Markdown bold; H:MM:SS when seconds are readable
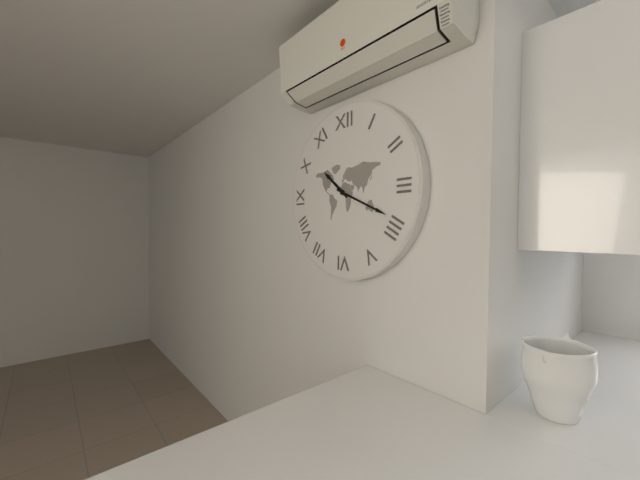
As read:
**10:19**
